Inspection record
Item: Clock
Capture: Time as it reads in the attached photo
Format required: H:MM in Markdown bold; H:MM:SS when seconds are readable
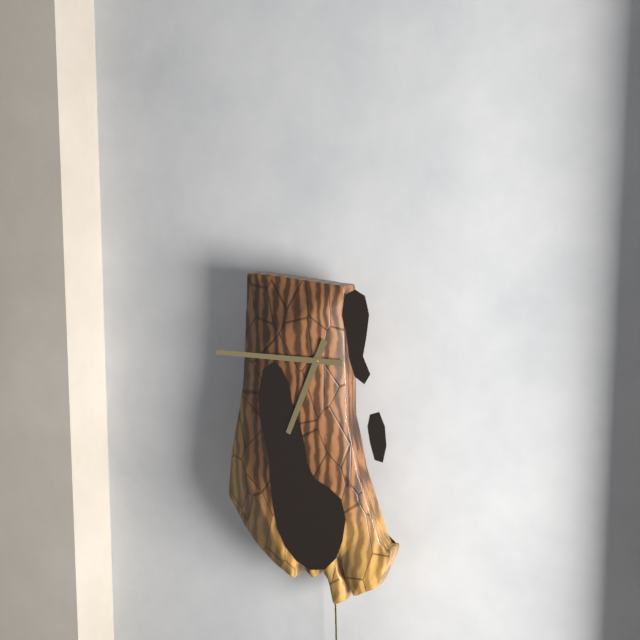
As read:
**6:45**
